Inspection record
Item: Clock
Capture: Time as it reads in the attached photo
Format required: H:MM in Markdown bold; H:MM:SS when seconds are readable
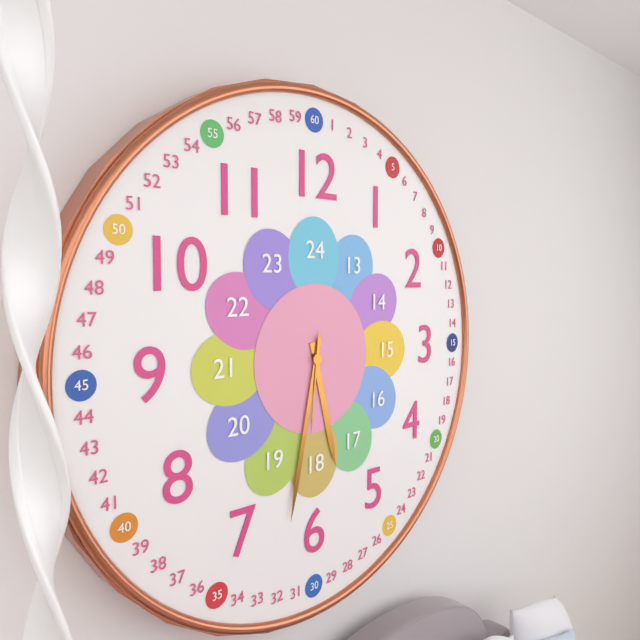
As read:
**5:32:31**
